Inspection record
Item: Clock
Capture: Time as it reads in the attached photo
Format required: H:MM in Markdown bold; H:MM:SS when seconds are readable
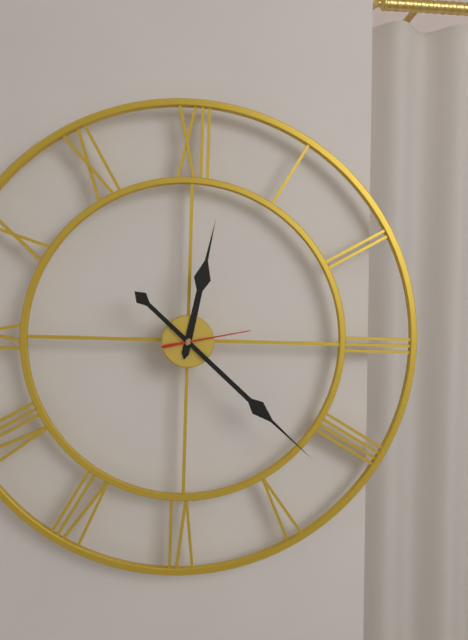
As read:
**12:22:13**
